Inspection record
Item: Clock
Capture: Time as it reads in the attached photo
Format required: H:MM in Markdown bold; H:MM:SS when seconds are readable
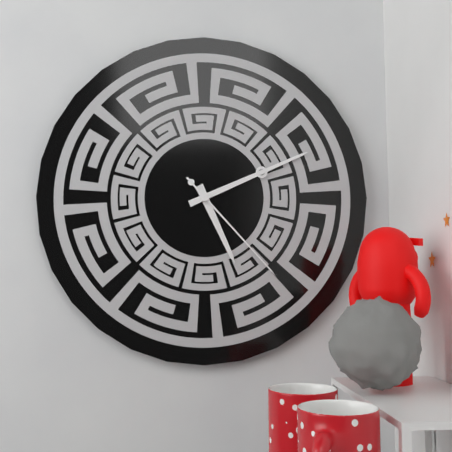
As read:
**5:11:23**
